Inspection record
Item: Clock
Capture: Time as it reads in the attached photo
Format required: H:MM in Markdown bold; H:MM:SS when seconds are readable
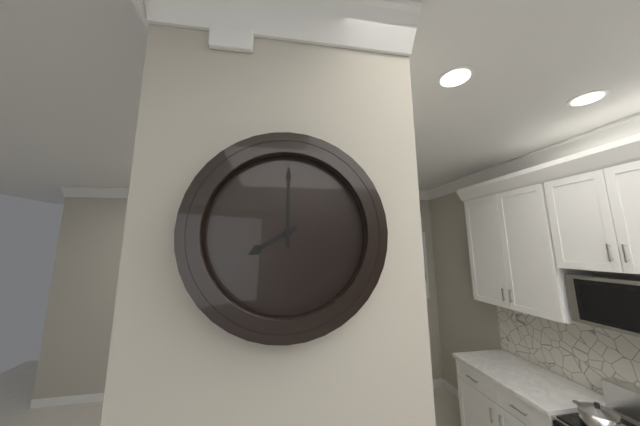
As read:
**8:00**
